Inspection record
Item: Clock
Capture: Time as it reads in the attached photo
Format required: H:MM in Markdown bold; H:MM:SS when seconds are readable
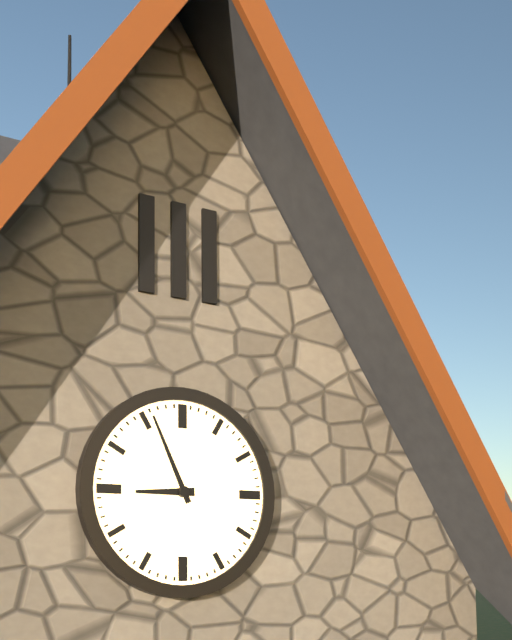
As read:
**8:56**
